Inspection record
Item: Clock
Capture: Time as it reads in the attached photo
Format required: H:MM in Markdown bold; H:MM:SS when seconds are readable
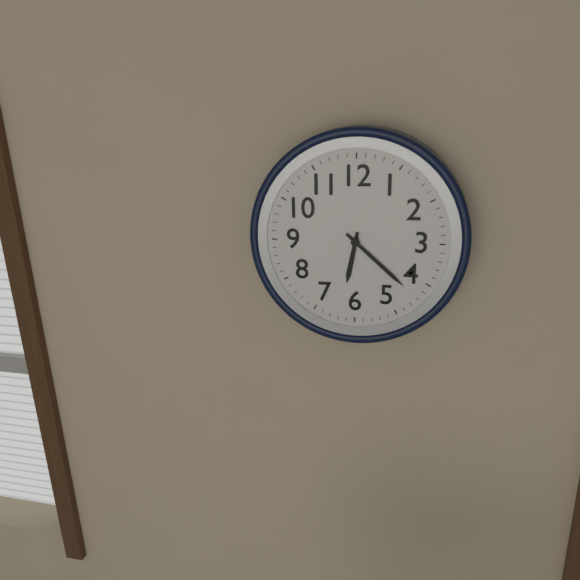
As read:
**6:22**
